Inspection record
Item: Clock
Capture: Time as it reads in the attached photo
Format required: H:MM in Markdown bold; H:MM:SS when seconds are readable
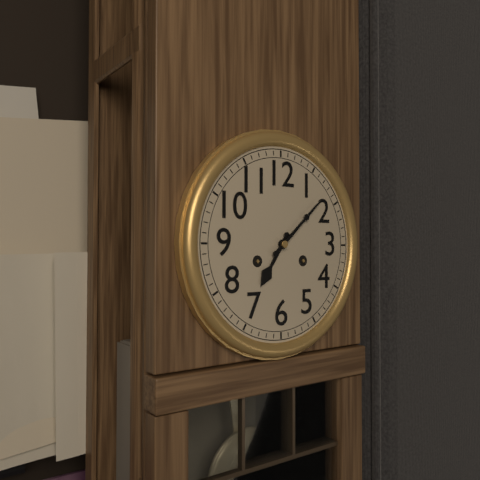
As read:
**7:08**
